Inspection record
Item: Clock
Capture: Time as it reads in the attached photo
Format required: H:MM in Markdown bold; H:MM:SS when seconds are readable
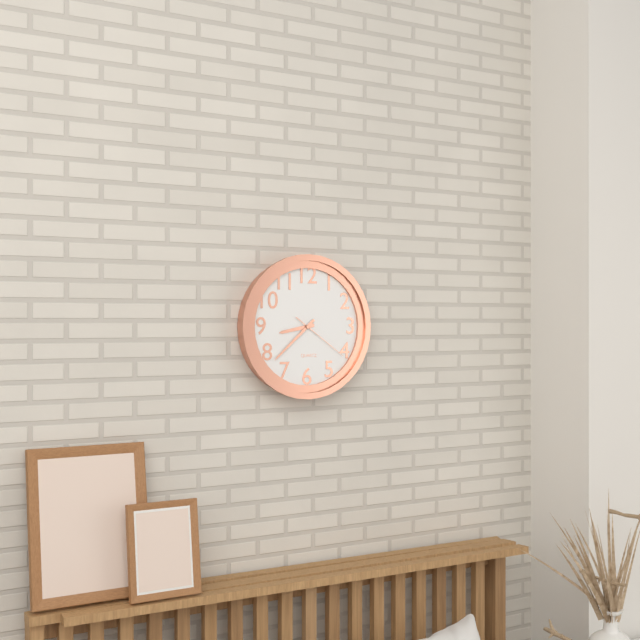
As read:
**8:38:21**
